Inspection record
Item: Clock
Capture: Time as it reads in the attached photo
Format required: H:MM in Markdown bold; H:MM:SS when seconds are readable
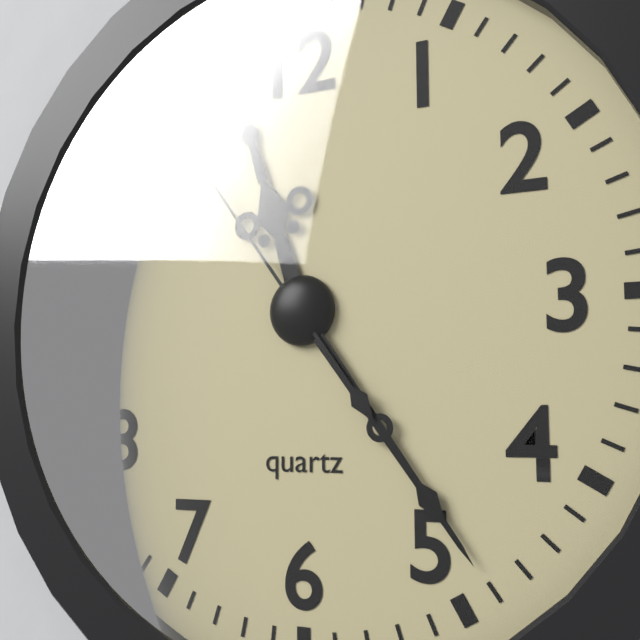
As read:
**11:24:54**
